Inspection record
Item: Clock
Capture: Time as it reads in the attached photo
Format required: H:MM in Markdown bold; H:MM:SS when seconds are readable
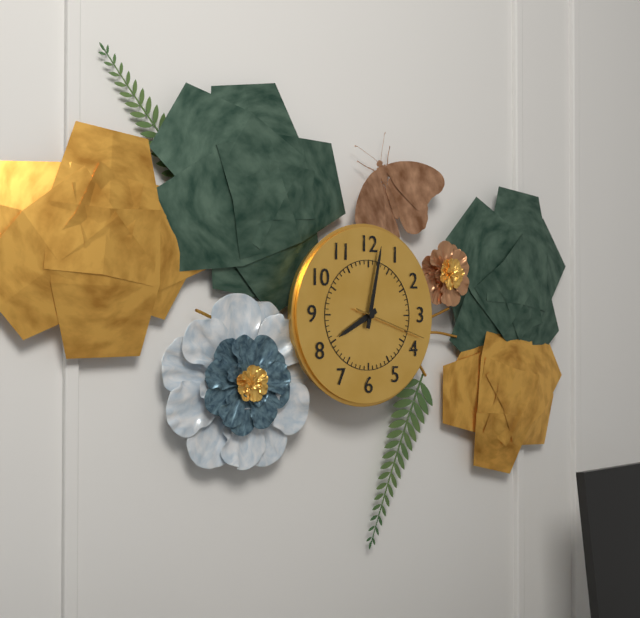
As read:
**8:02:18**
